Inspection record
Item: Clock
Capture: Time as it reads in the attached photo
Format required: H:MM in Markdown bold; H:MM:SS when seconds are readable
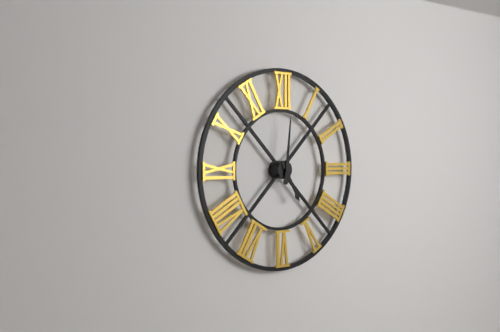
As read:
**5:01**
